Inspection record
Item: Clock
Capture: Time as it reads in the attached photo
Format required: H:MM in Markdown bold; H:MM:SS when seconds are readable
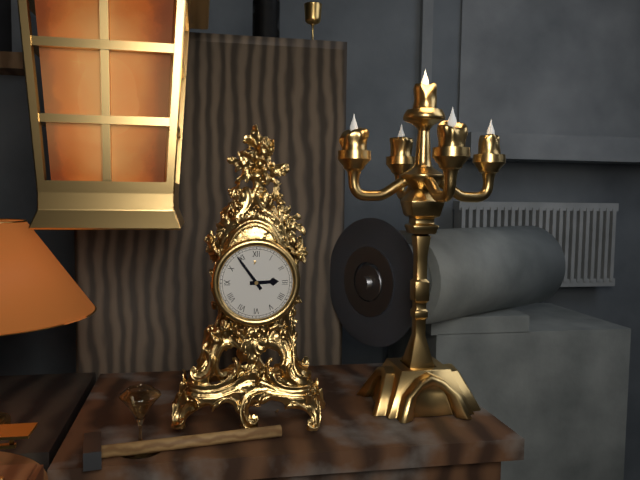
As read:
**2:54**
